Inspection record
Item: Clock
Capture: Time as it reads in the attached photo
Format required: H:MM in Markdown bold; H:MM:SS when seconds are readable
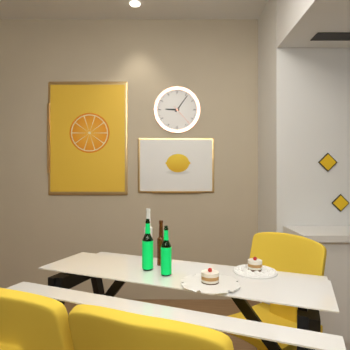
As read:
**9:06**
